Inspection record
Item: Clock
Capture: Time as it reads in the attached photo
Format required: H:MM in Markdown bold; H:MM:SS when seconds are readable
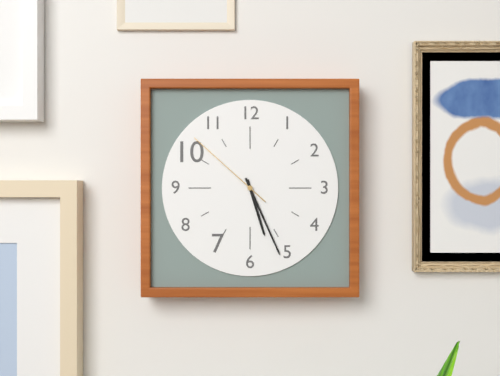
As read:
**5:26:52**
